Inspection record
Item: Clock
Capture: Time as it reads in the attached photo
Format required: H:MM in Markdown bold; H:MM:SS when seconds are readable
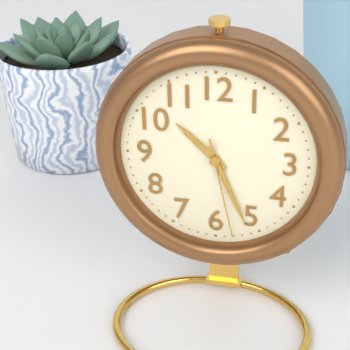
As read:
**10:26:28**
